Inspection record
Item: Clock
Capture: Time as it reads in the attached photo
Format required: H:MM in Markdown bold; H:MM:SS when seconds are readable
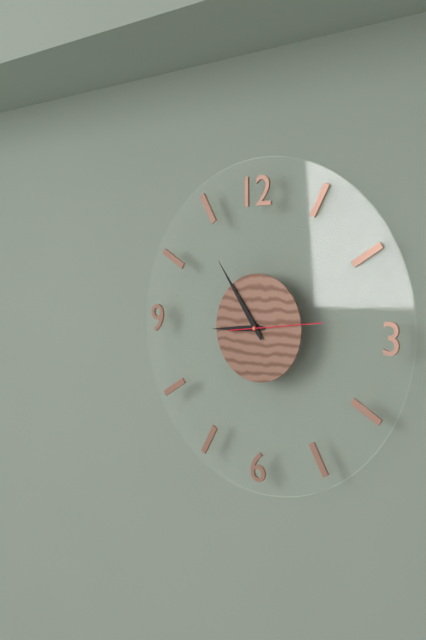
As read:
**8:54:14**
